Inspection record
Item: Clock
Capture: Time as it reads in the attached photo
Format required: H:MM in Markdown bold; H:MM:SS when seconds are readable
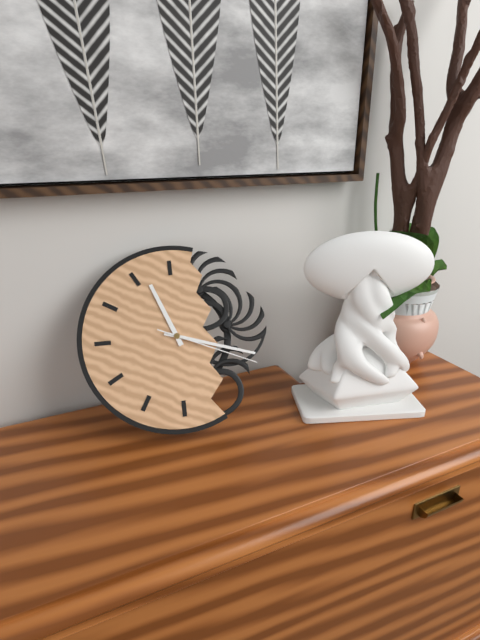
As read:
**11:18:19**
